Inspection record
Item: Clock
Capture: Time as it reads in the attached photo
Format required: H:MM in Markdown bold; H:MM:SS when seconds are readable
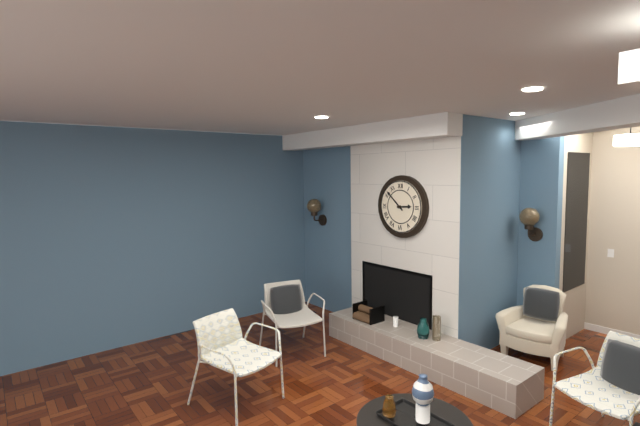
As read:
**2:52**
